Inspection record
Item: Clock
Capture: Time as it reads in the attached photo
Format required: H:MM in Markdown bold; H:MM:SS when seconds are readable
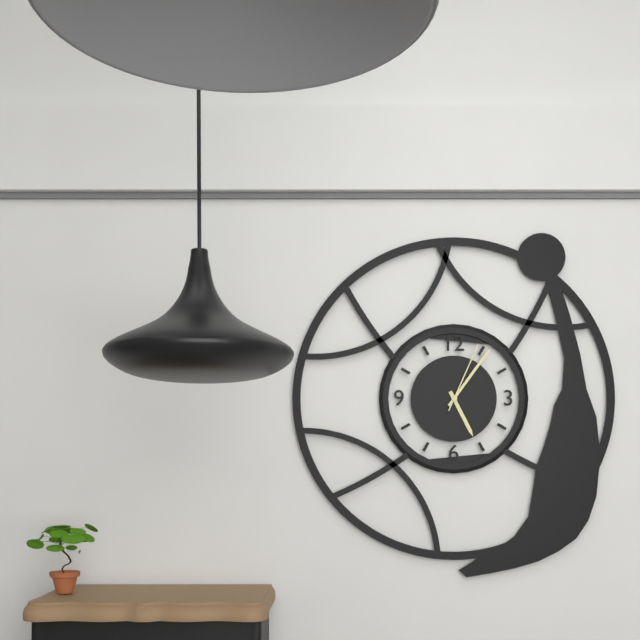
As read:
**5:06:04**
